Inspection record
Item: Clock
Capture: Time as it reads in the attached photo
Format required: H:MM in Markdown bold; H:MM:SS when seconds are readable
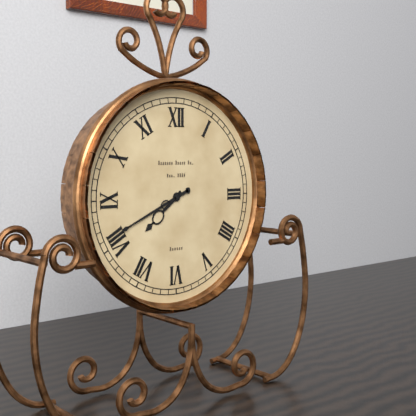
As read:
**7:41**
